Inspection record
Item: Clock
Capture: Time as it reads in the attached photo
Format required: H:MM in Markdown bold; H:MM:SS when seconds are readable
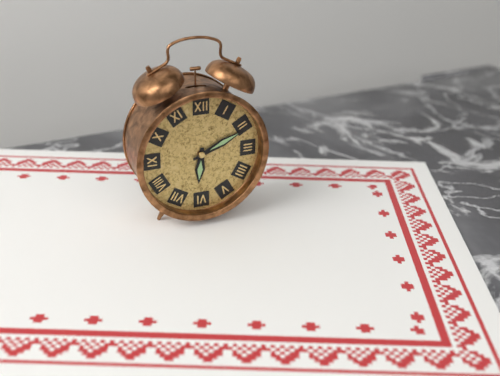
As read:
**6:11**
